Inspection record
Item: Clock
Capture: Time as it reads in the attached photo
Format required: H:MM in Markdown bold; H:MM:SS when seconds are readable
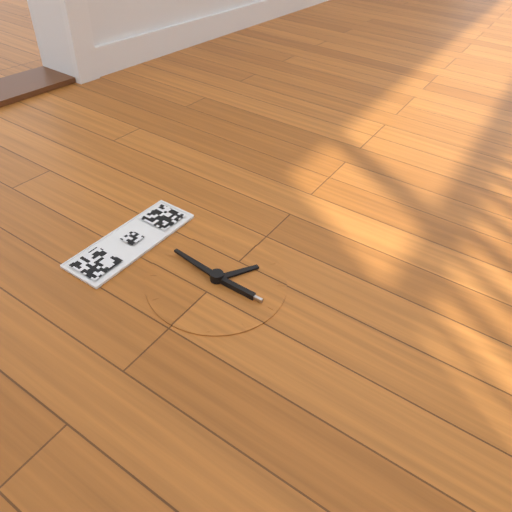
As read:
**4:01**
